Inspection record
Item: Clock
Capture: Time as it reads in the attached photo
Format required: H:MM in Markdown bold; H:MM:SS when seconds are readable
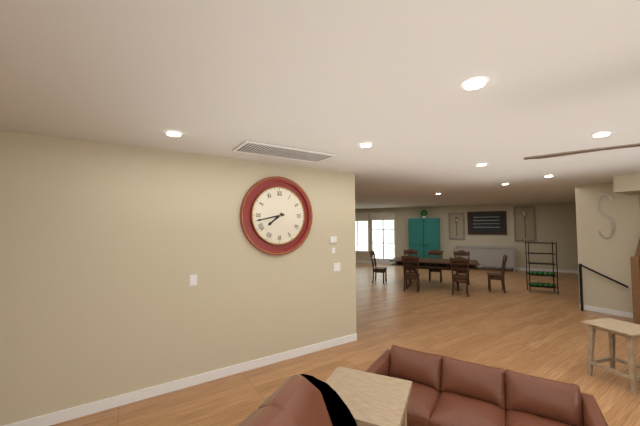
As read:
**7:43**
